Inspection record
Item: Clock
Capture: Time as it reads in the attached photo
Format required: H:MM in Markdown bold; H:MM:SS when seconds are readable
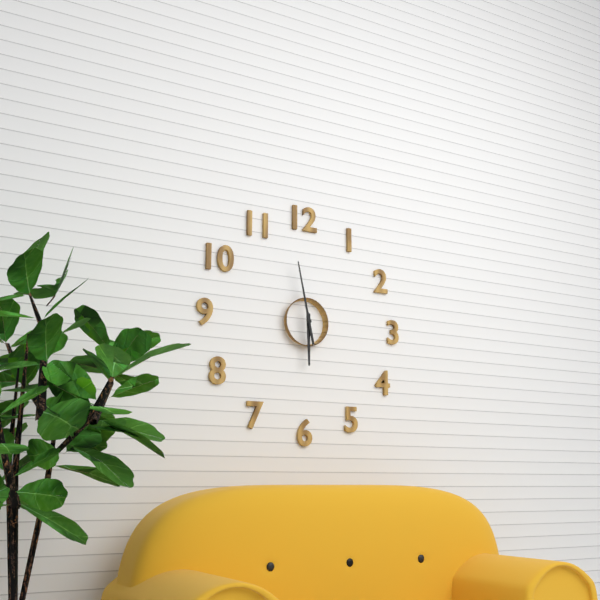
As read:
**5:58**
